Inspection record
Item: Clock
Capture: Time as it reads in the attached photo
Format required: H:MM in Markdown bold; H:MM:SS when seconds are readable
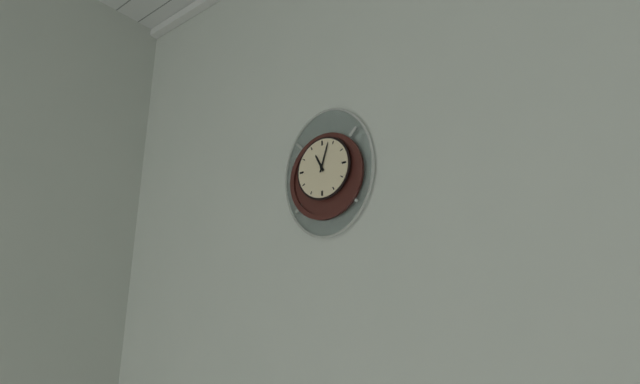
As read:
**11:03**
